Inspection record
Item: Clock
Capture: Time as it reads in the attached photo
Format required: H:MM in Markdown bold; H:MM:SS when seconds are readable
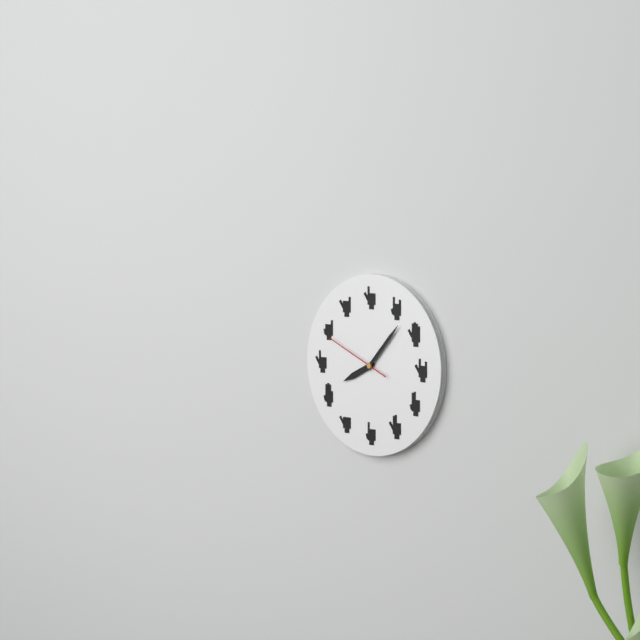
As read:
**8:07:49**
